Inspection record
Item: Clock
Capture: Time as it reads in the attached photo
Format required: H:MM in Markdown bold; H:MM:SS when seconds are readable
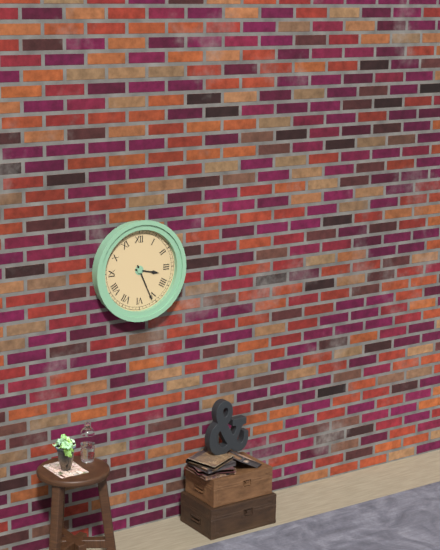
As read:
**3:26**
